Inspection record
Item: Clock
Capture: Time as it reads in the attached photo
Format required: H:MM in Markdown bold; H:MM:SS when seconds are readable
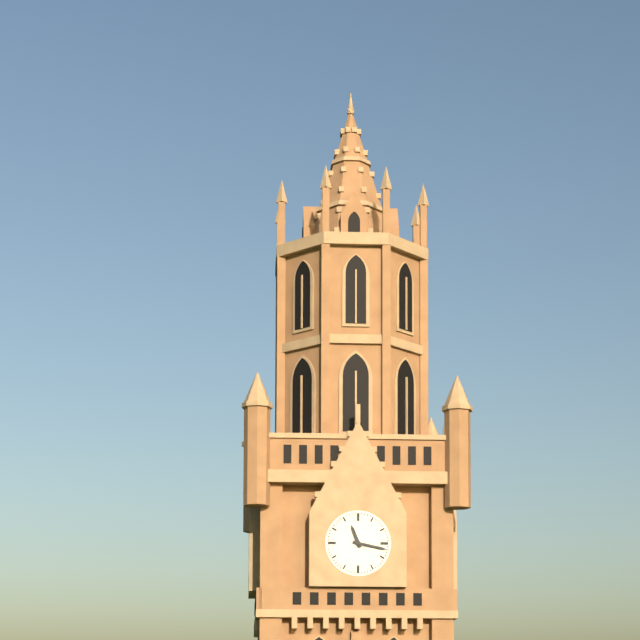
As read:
**11:17**
